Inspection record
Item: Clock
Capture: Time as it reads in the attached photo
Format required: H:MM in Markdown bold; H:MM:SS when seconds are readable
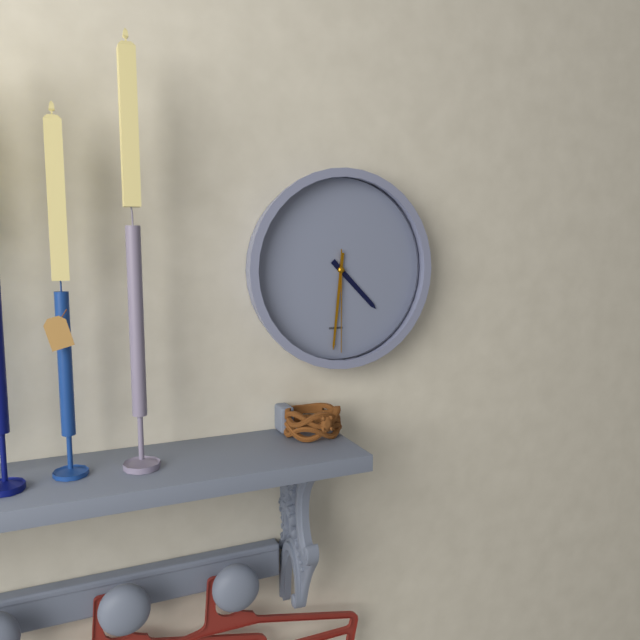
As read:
**4:31:30**
